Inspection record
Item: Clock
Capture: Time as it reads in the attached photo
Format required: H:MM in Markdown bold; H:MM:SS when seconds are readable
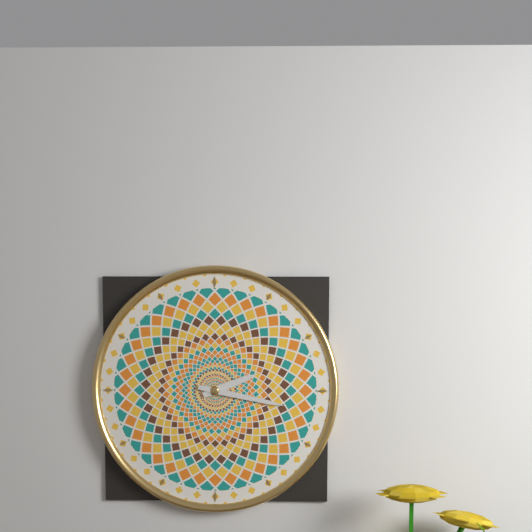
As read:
**2:17**
